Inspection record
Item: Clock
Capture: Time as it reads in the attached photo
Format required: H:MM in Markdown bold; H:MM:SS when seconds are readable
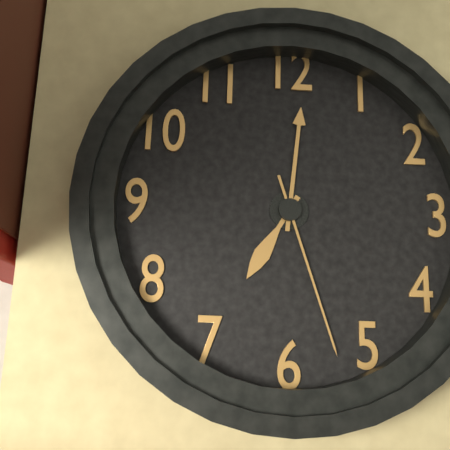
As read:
**7:01:27**
